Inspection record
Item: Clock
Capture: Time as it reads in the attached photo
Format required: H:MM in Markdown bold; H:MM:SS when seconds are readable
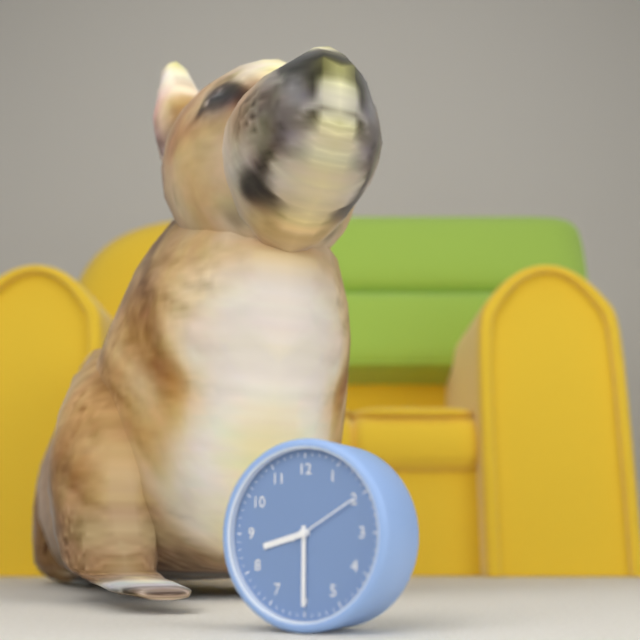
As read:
**8:30:10**
